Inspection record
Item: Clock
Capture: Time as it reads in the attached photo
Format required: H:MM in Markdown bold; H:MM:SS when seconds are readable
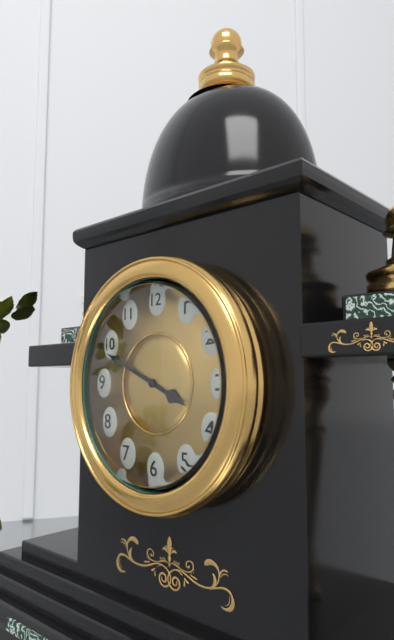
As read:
**3:49**
